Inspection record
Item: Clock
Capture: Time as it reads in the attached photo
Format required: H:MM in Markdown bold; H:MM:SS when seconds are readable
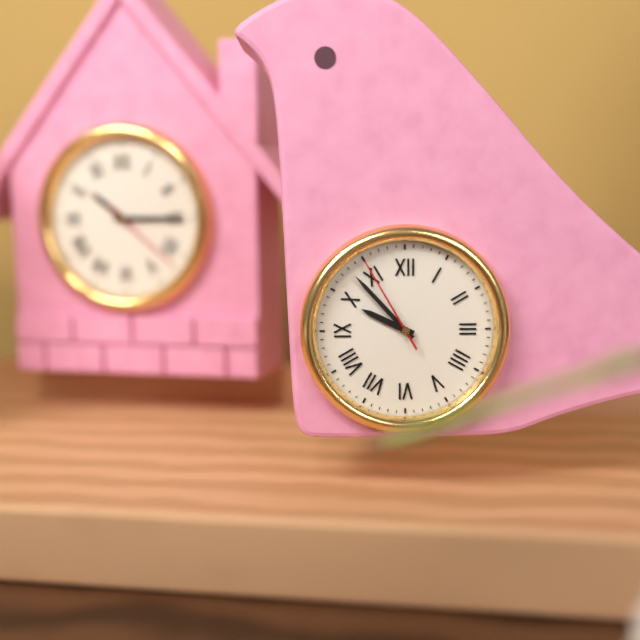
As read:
**9:53:55**
